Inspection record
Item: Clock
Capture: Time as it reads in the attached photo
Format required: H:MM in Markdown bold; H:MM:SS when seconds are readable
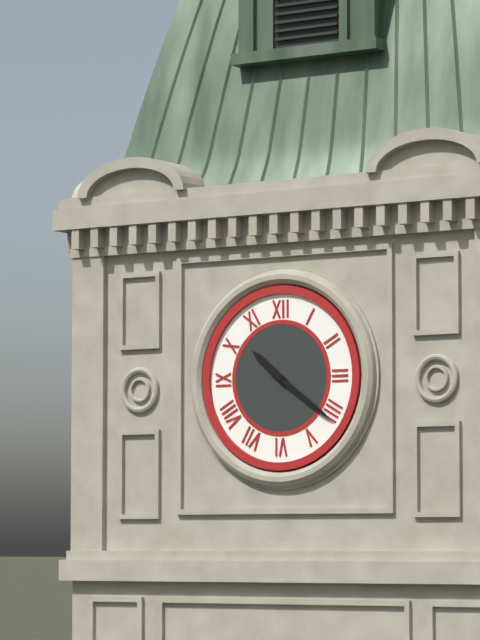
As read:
**10:21**
